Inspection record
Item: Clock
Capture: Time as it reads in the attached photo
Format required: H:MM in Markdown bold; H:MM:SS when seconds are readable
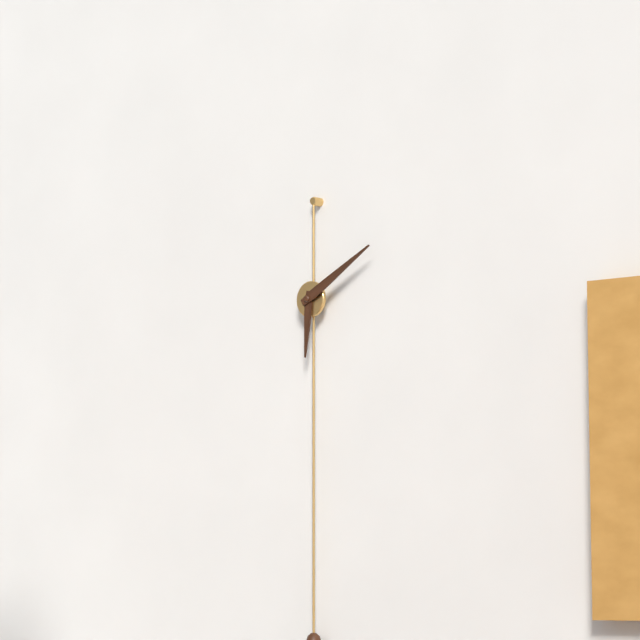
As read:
**6:10**
